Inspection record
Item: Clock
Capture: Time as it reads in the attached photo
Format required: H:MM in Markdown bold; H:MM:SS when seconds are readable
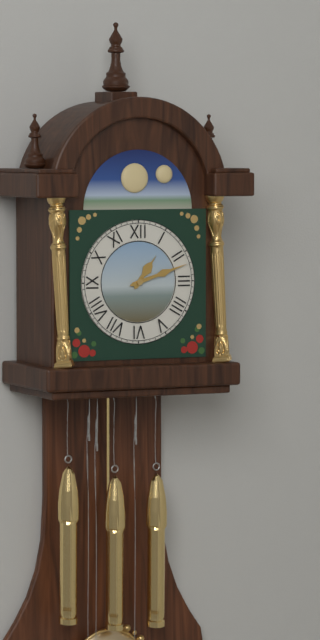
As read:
**1:12**
